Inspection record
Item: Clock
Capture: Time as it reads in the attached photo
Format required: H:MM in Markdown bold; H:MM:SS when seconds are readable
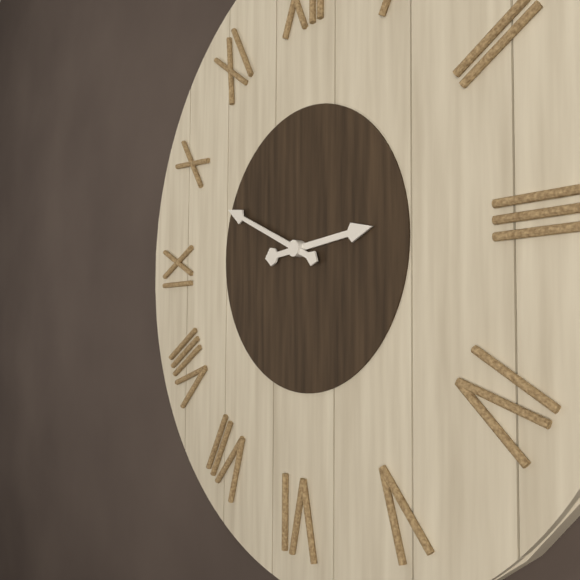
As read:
**2:49**
